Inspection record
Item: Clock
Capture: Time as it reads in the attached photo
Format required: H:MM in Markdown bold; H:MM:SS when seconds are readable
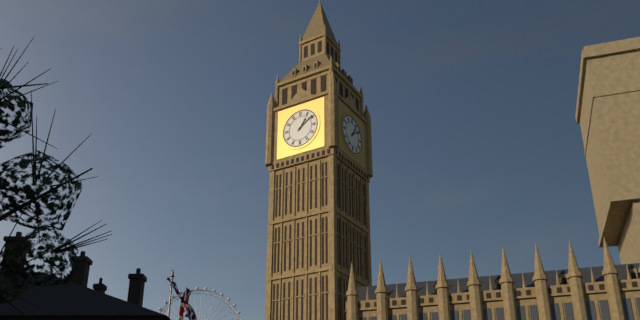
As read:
**1:09**
